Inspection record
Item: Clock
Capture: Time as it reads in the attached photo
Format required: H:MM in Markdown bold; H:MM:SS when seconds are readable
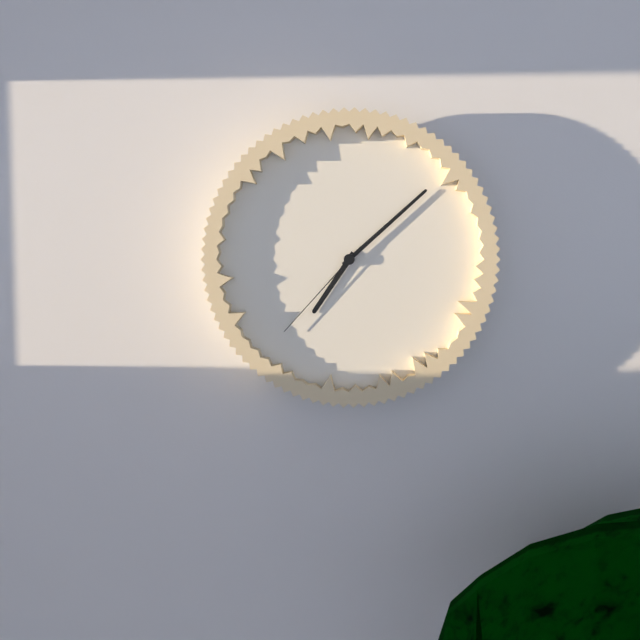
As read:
**7:08:37**
